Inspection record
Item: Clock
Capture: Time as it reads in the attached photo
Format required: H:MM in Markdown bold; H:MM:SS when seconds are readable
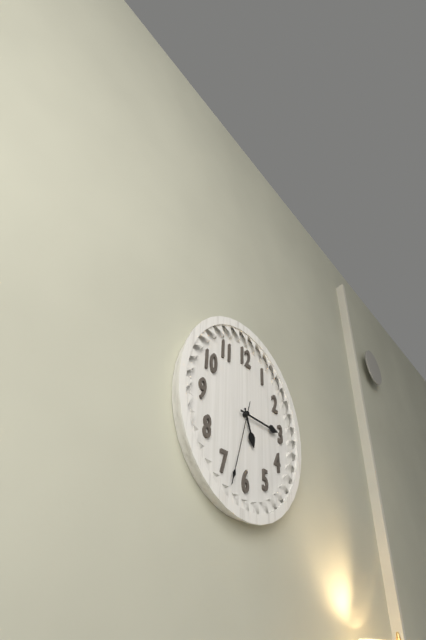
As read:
**5:15:33**
